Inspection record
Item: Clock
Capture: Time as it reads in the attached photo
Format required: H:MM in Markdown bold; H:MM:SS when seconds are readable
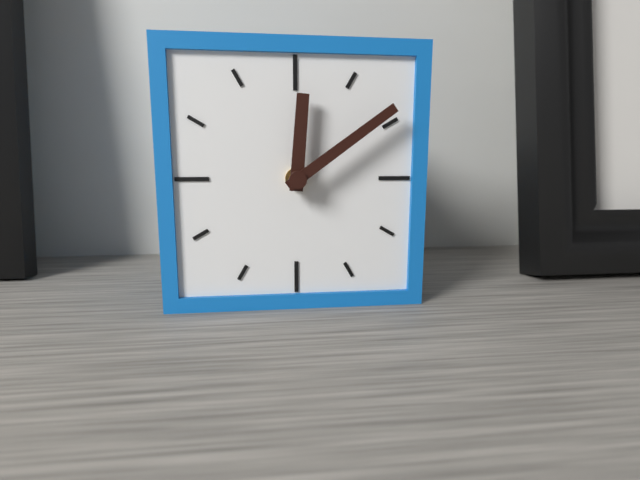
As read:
**12:09**
